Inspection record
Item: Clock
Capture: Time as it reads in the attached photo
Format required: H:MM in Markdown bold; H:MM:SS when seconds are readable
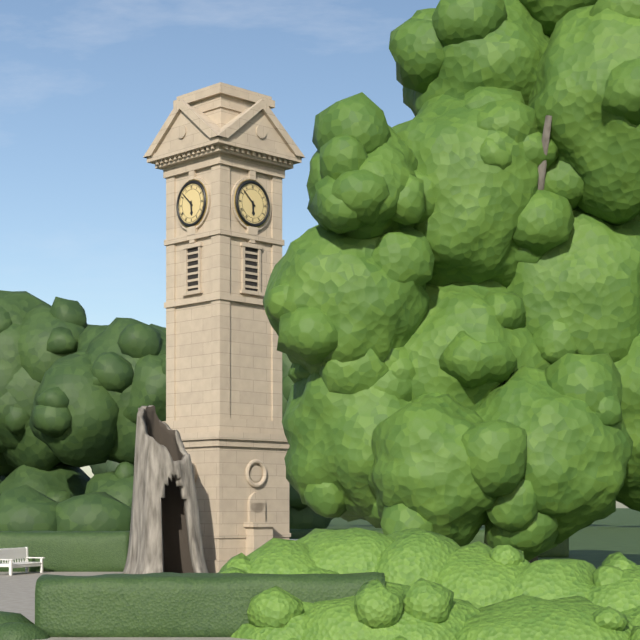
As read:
**5:52**
